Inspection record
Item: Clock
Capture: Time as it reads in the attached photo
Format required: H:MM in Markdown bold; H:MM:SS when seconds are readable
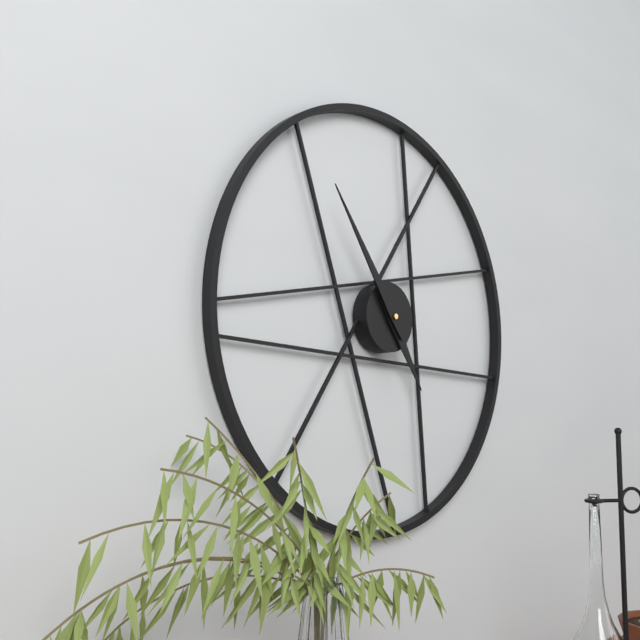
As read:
**4:54**
